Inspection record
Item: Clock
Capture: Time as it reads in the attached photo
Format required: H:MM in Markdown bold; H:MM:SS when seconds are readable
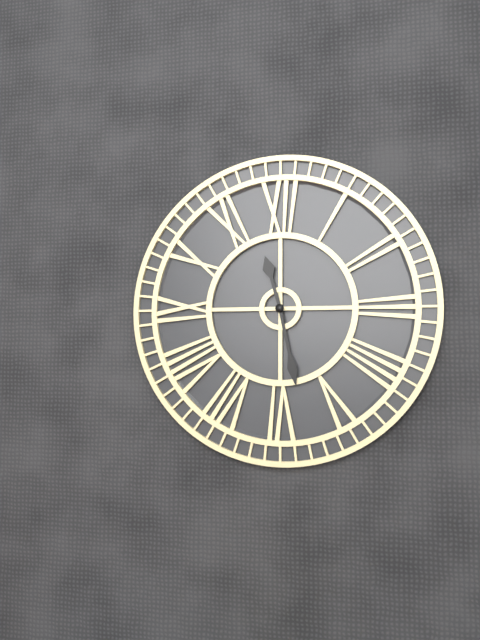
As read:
**11:28**
